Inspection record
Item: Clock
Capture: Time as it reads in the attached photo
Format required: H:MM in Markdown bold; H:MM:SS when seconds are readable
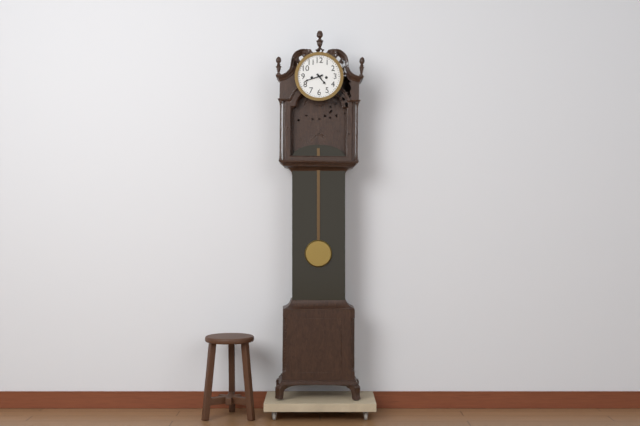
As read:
**4:42**
